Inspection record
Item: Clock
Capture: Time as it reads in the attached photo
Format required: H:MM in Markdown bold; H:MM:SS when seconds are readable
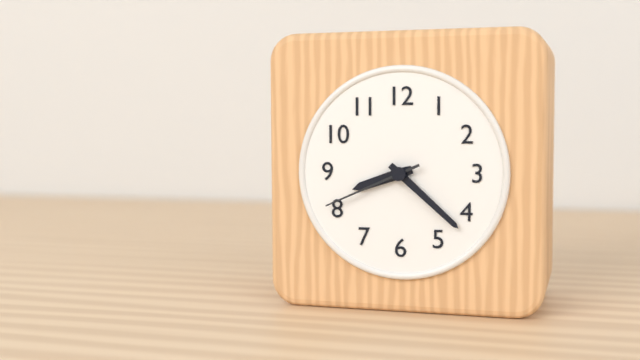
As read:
**8:22:41**
